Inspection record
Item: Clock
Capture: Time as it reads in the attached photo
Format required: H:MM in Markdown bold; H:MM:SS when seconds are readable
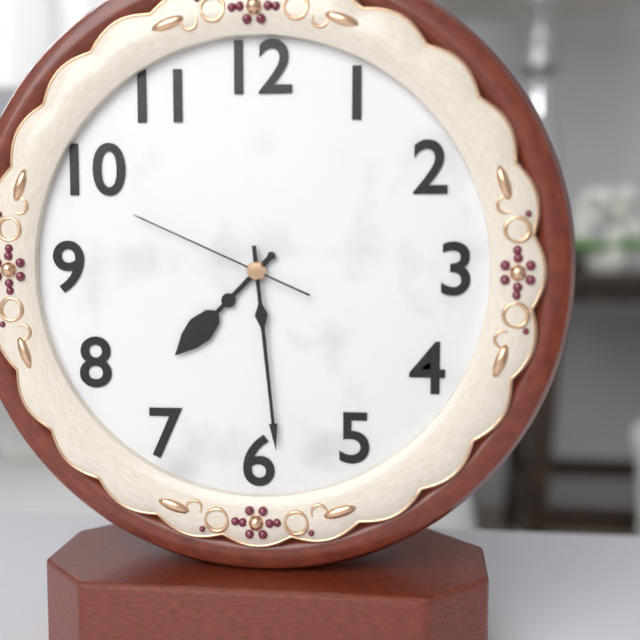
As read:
**7:29:49**
